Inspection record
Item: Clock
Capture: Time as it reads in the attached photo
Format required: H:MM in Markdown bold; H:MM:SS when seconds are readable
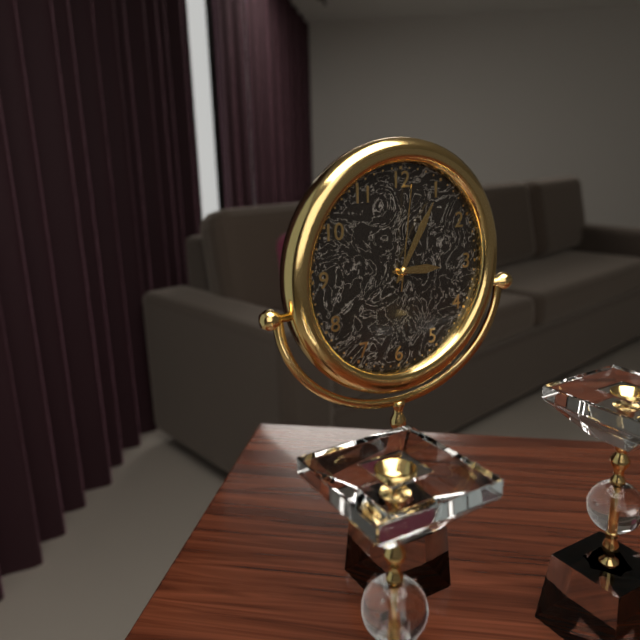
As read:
**3:05:01**
